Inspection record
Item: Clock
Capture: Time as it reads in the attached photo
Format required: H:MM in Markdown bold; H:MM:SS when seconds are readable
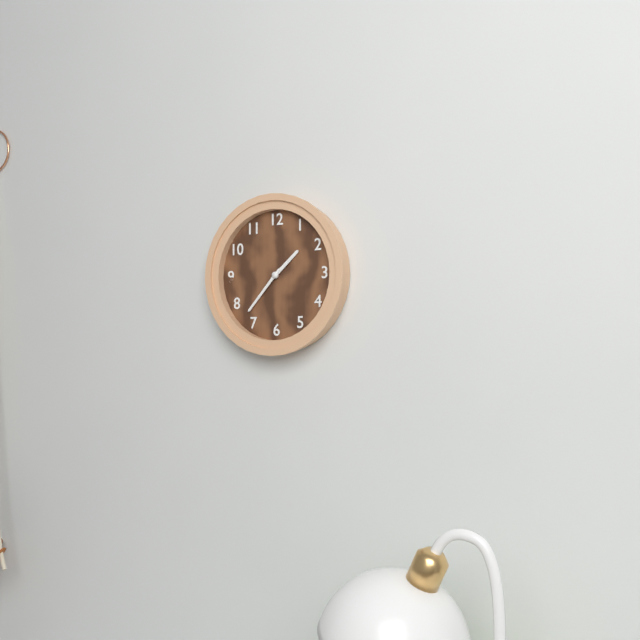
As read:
**1:37**
